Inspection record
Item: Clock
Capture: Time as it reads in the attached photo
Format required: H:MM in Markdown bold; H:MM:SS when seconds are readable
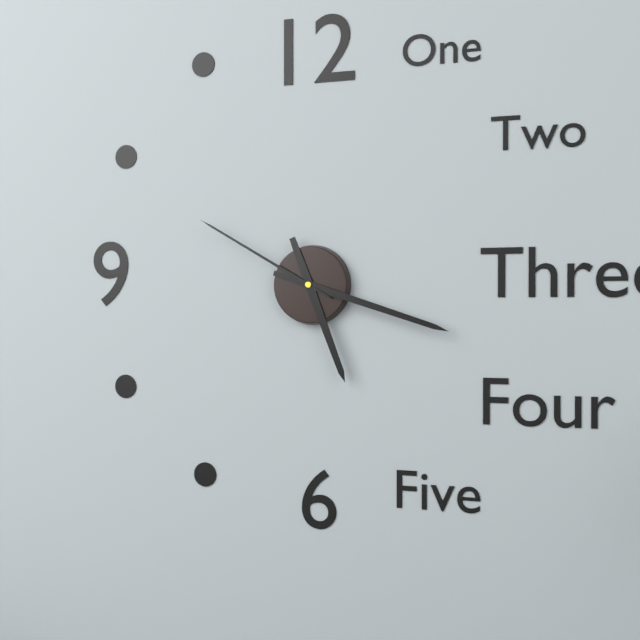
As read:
**5:18:50**
